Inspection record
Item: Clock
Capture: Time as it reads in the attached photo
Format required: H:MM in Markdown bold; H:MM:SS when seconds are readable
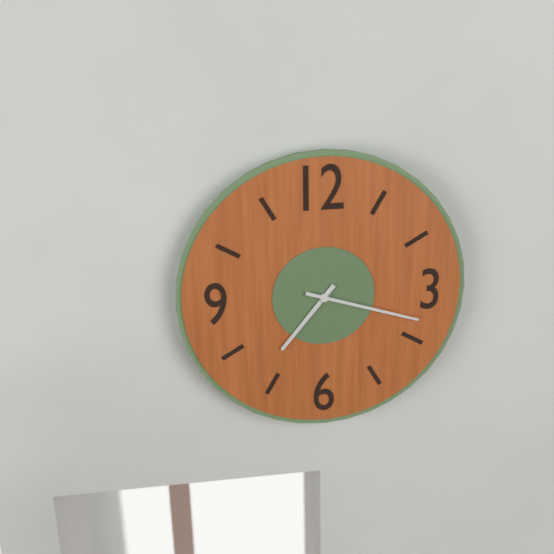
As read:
**7:18**
